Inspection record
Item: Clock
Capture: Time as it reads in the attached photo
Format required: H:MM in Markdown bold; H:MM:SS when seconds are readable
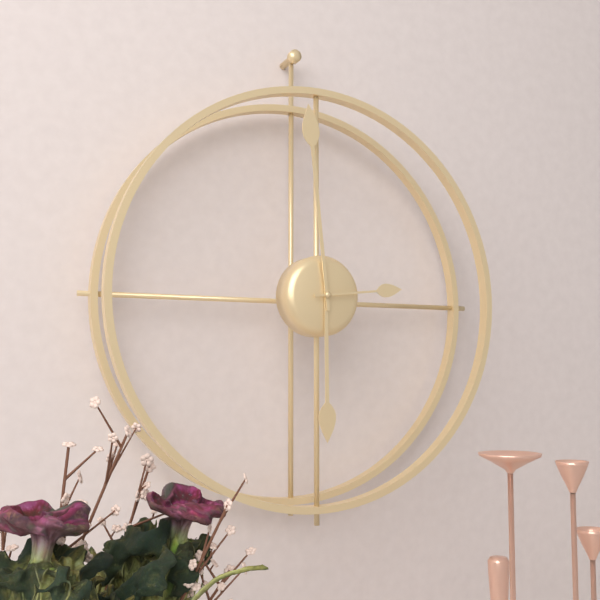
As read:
**5:59:14**
